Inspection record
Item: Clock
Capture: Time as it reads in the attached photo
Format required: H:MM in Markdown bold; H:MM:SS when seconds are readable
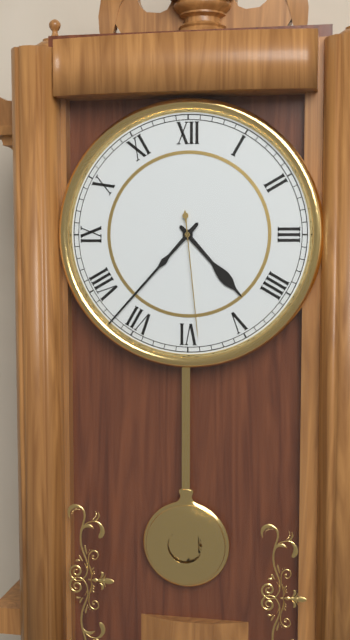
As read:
**4:37:29**
